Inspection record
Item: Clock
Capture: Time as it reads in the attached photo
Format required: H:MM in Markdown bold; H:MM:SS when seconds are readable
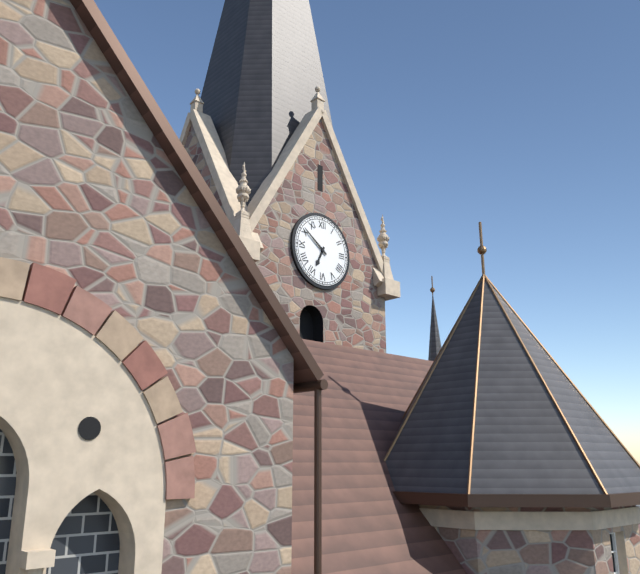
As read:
**6:51**
